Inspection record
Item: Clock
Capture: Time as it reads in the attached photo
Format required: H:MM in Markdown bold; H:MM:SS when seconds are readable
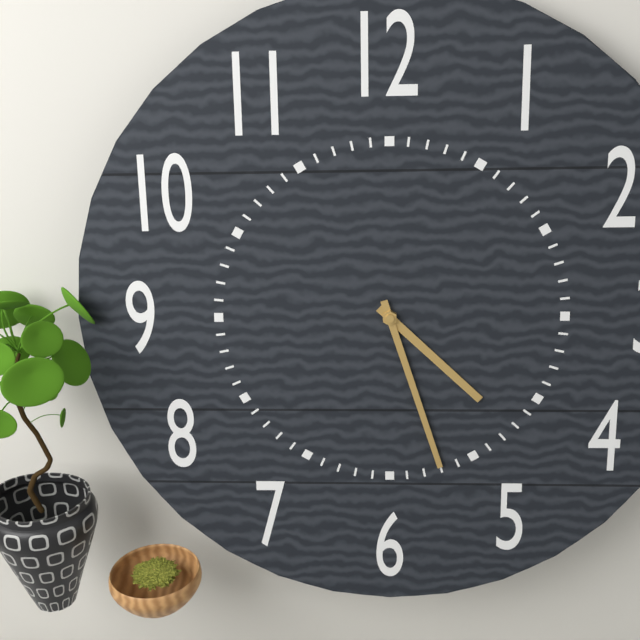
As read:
**4:27**
